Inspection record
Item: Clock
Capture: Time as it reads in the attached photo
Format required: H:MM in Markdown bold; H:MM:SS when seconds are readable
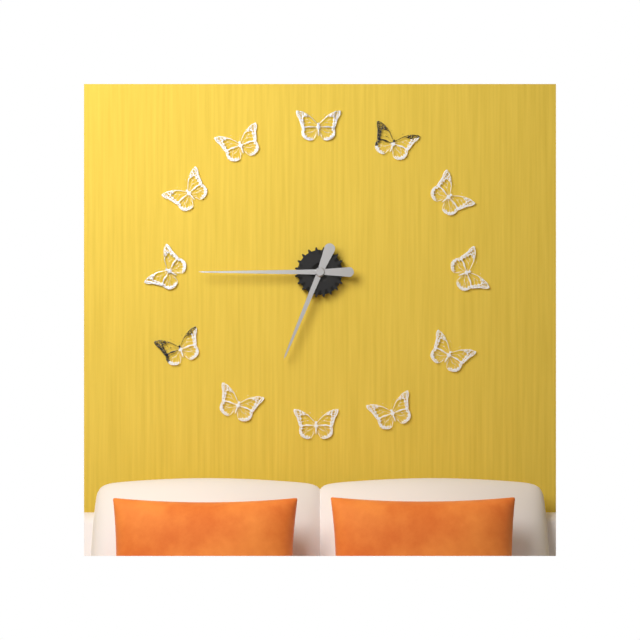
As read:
**6:45**
